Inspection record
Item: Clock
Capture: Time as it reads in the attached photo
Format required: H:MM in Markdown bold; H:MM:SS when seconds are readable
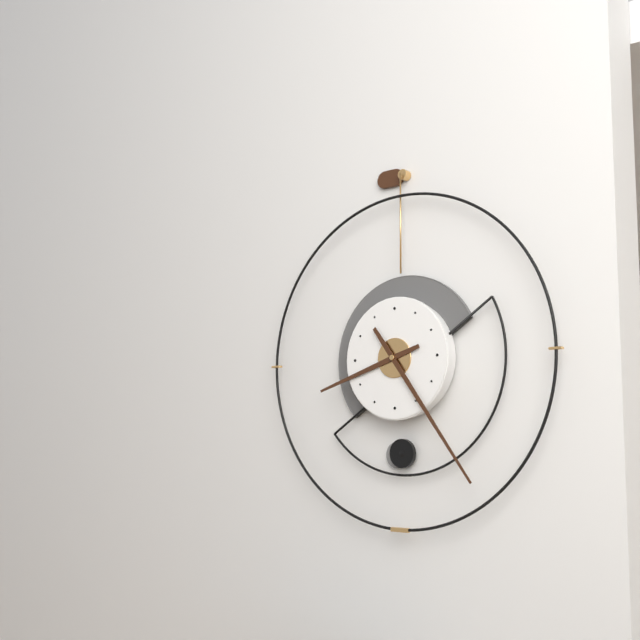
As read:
**8:24**
